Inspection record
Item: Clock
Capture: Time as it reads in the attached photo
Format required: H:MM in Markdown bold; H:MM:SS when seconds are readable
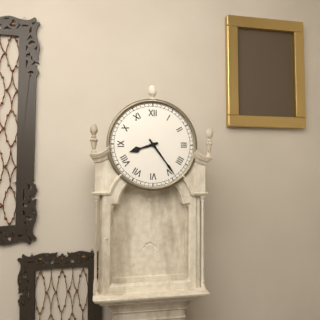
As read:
**8:24**
